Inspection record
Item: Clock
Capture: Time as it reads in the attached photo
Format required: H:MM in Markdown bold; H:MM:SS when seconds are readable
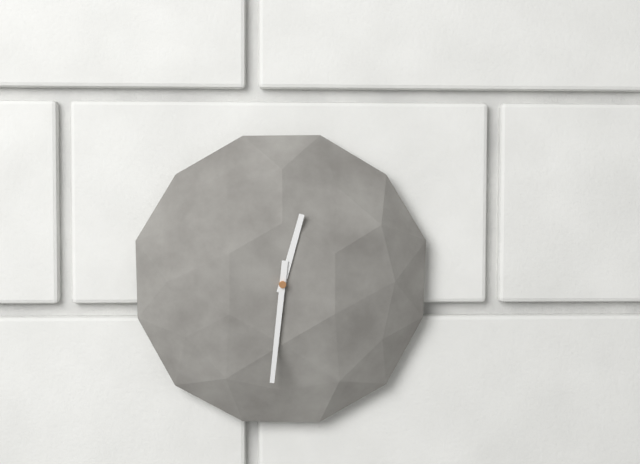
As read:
**12:31**
